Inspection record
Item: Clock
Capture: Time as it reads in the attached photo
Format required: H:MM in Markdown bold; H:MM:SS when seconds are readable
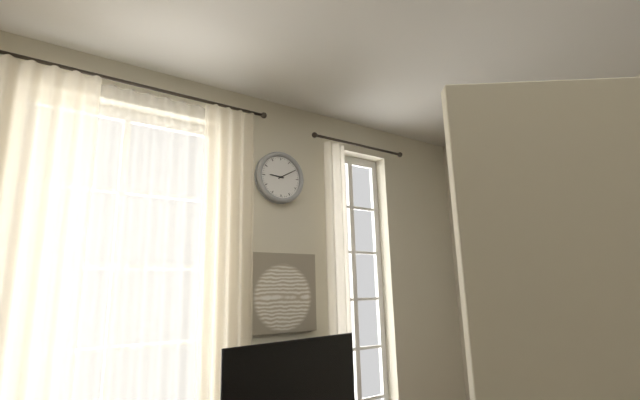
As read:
**9:10**
